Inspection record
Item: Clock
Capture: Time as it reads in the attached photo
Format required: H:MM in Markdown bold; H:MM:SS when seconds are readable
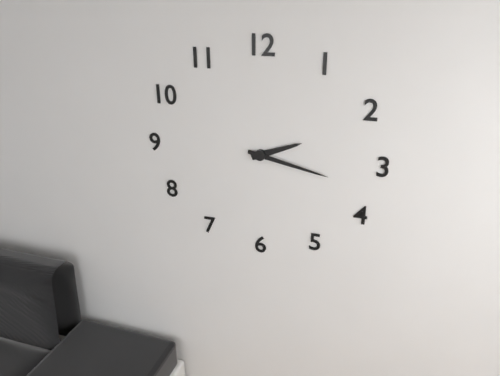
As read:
**2:17**
